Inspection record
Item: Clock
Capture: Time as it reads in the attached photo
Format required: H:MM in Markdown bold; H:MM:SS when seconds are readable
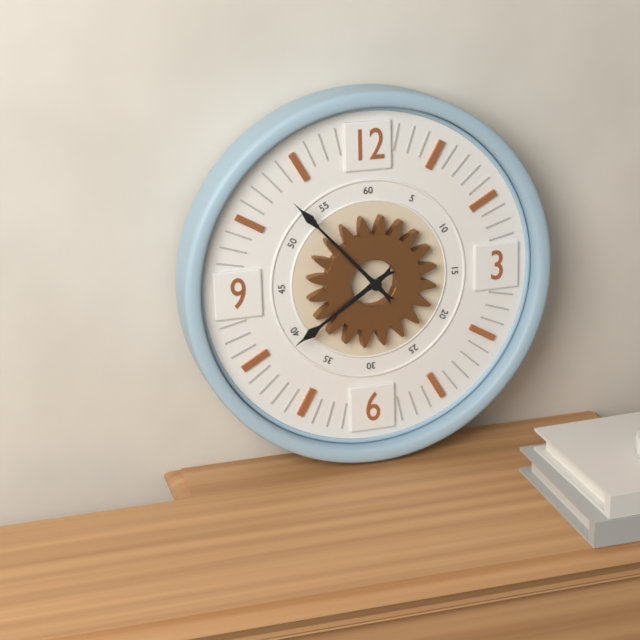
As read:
**7:53**
